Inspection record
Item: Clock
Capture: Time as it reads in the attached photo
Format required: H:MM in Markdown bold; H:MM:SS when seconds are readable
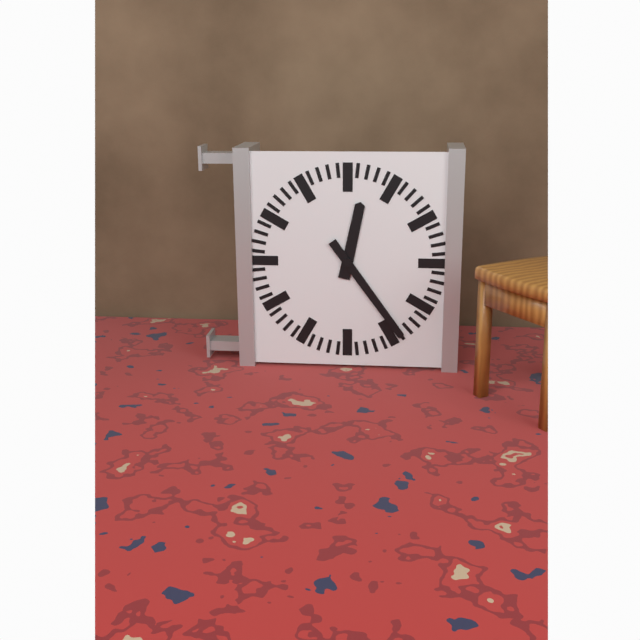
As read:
**12:24**
